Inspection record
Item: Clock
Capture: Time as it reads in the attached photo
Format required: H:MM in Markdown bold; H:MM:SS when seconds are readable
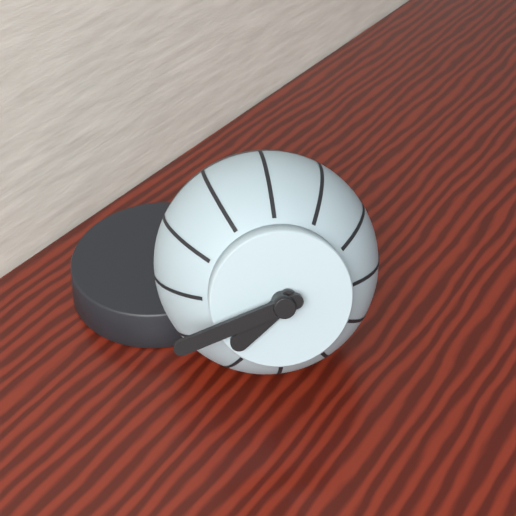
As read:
**7:42**
